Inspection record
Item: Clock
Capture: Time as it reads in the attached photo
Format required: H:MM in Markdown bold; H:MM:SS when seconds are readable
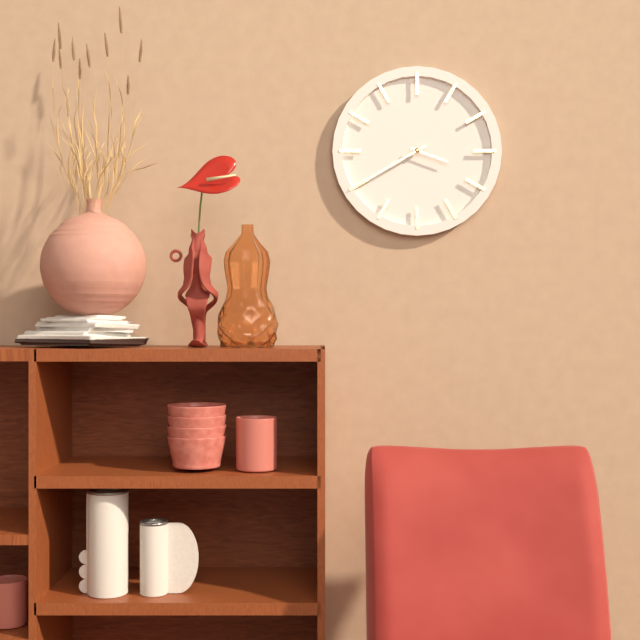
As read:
**3:40**
